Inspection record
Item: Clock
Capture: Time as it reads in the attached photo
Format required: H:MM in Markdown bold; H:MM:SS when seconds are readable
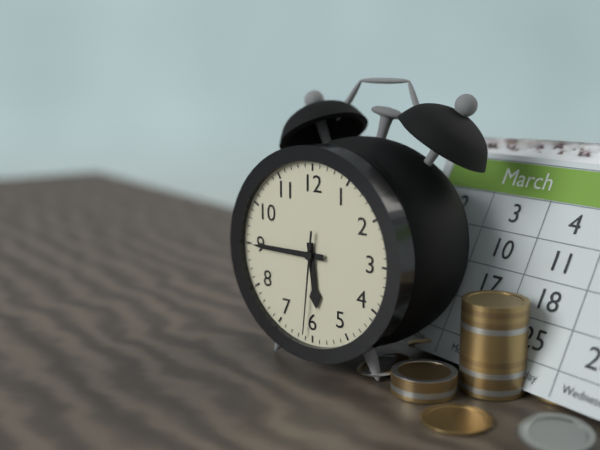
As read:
**5:45:31**
